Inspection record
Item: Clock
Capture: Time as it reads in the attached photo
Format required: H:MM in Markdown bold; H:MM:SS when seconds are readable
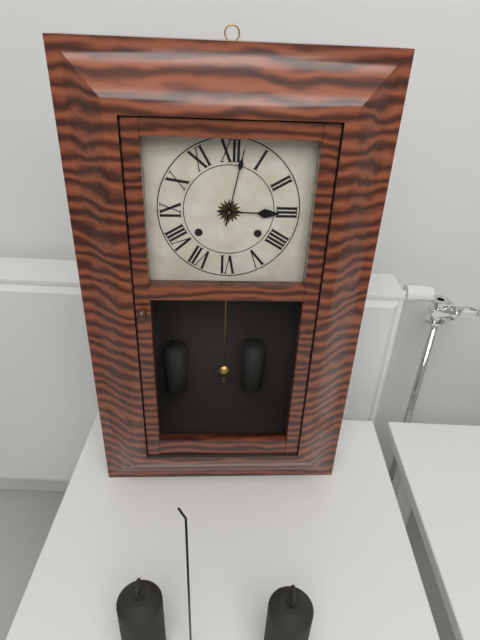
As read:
**3:02**
